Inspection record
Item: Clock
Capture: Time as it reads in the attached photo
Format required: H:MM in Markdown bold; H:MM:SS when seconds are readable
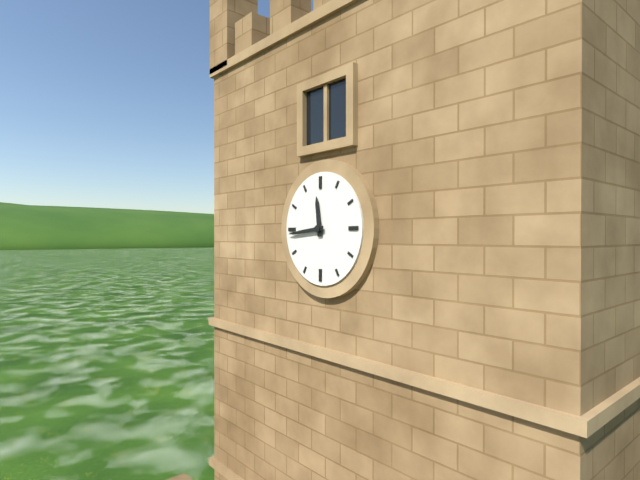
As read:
**11:44**
